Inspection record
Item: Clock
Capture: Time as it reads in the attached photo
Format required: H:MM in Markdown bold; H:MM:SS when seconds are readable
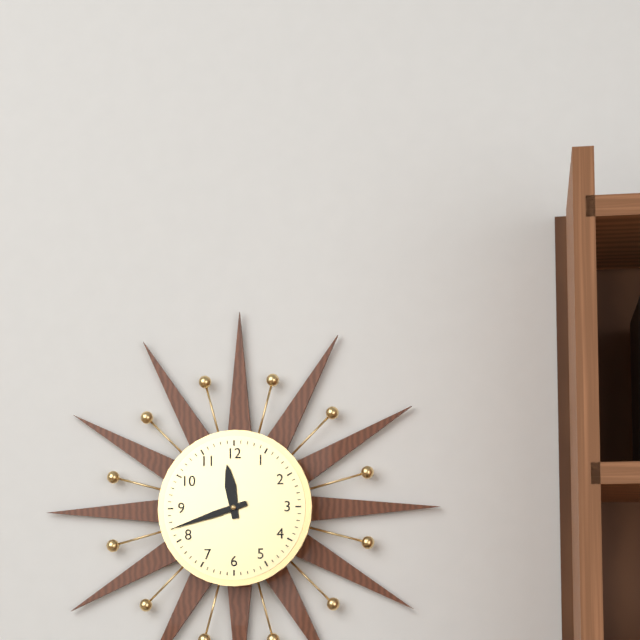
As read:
**11:42**
